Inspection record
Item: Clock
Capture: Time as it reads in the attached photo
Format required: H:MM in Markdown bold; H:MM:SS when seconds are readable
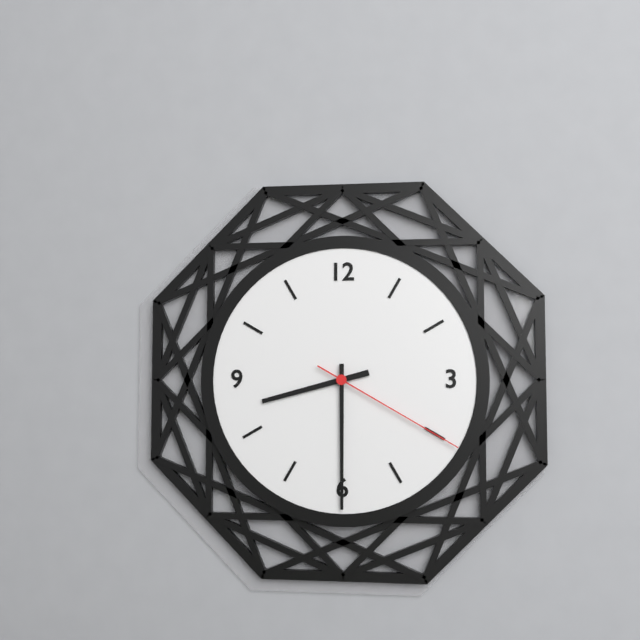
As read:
**8:30:20**
